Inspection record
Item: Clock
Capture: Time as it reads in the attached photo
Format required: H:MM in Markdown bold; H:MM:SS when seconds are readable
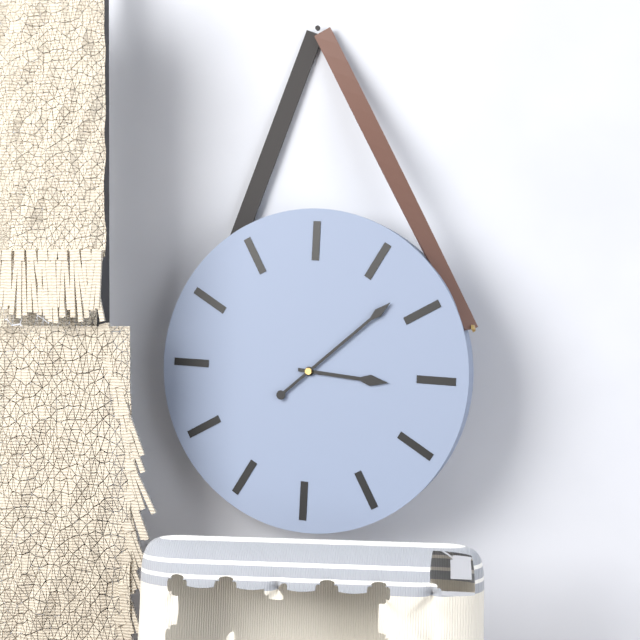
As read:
**3:08**
